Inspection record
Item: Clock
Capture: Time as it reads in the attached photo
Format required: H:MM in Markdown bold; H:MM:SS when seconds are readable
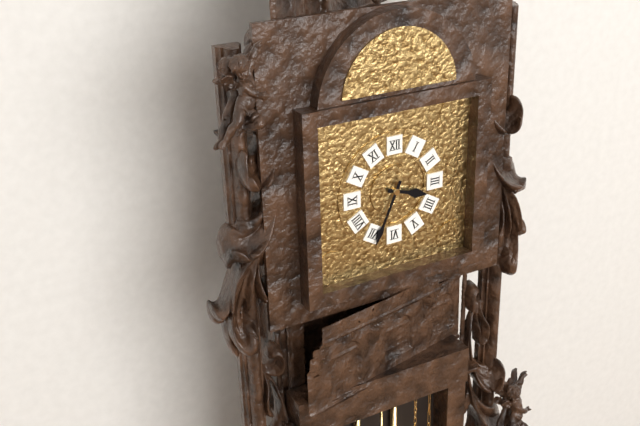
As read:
**3:34**
